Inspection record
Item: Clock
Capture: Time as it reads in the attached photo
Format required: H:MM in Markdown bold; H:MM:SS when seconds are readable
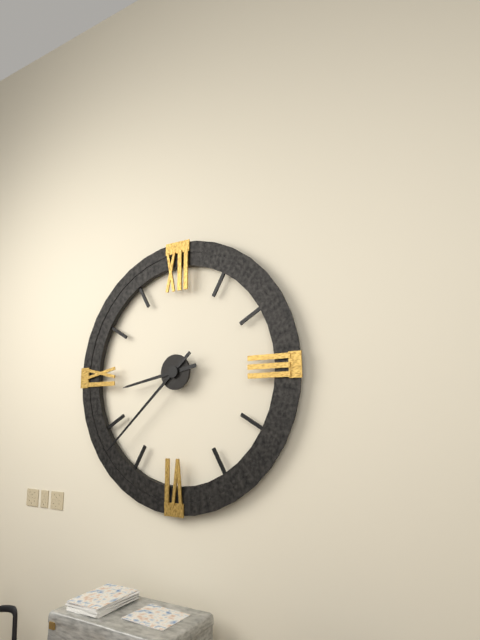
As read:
**8:38**
